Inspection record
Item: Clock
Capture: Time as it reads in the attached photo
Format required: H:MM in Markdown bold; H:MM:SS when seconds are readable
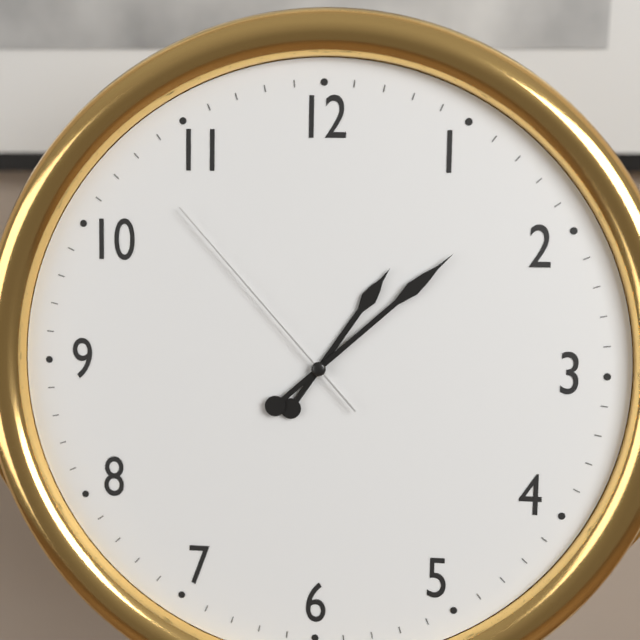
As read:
**1:08:53**
